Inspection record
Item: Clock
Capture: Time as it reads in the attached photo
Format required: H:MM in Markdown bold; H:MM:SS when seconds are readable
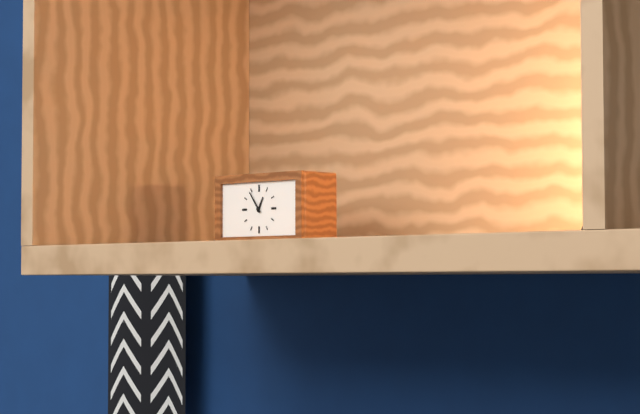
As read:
**12:54**
